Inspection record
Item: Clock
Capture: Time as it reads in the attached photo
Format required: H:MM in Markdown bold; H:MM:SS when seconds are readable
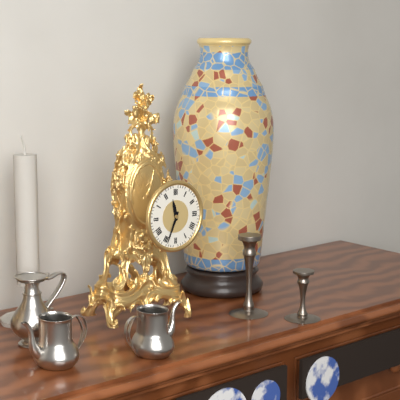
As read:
**11:34**
